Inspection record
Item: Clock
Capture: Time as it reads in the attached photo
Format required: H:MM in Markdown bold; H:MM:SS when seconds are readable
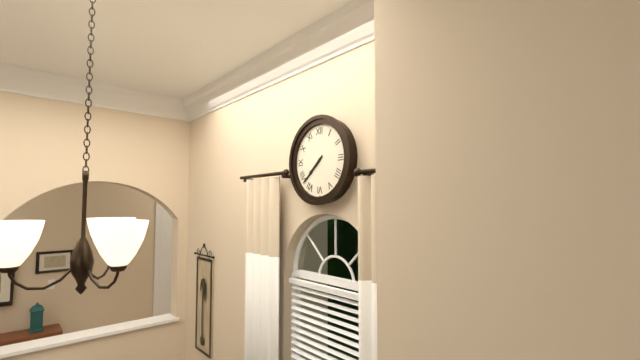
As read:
**7:38**
